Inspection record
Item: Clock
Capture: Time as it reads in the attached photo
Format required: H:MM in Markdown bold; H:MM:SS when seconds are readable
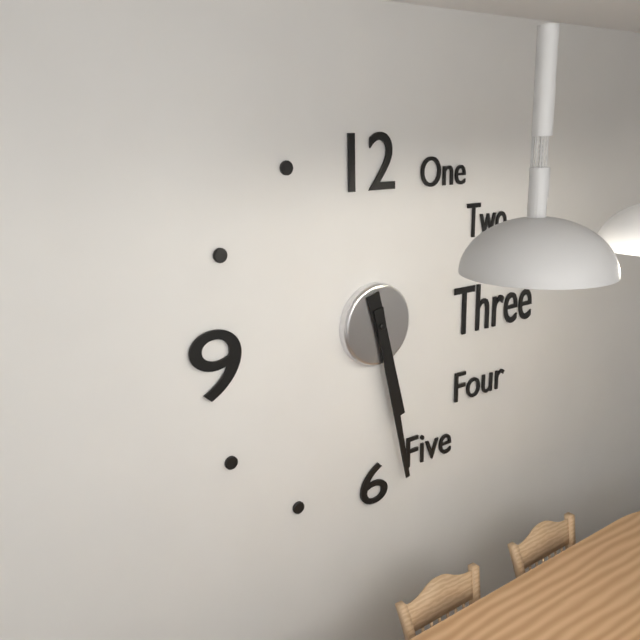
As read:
**5:28**
